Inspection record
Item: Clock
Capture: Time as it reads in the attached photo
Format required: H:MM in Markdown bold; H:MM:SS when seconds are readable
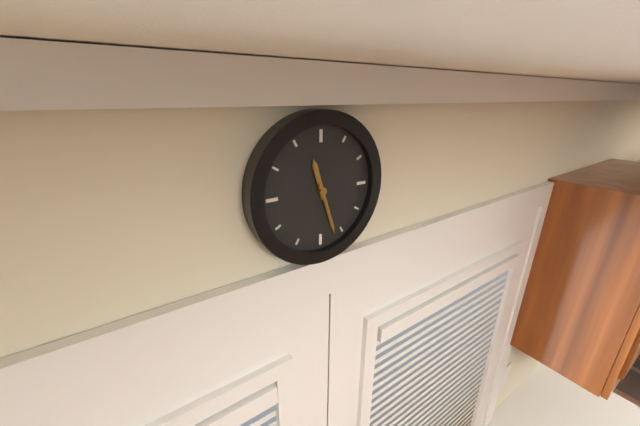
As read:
**11:27**
